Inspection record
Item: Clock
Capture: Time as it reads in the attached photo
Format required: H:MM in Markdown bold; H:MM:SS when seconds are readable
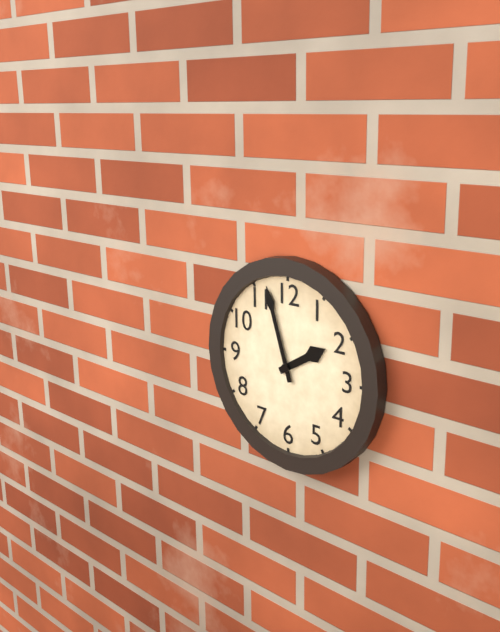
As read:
**1:57**
